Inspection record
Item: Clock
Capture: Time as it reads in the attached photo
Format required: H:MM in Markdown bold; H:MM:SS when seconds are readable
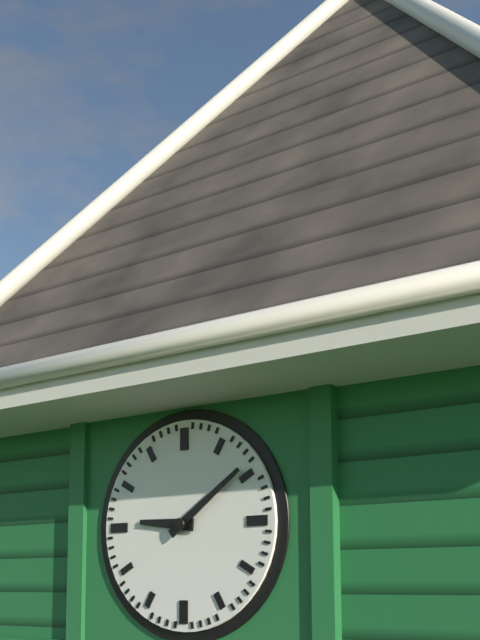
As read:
**9:09**
